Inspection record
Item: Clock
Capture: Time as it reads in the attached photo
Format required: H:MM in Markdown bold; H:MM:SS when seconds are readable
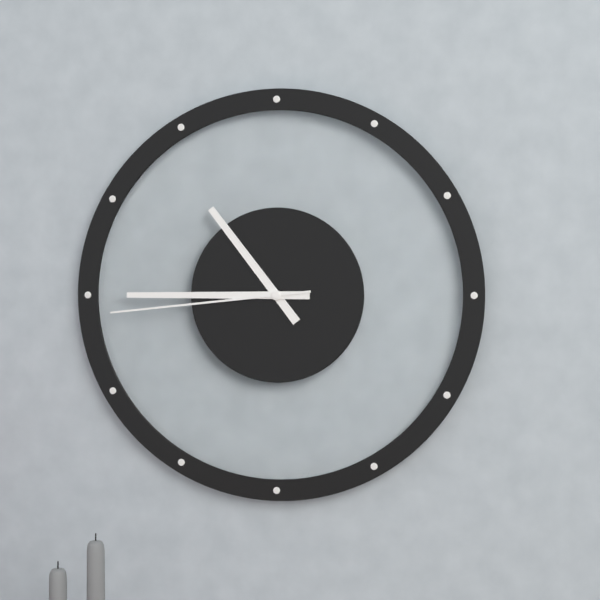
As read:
**10:45:44**
